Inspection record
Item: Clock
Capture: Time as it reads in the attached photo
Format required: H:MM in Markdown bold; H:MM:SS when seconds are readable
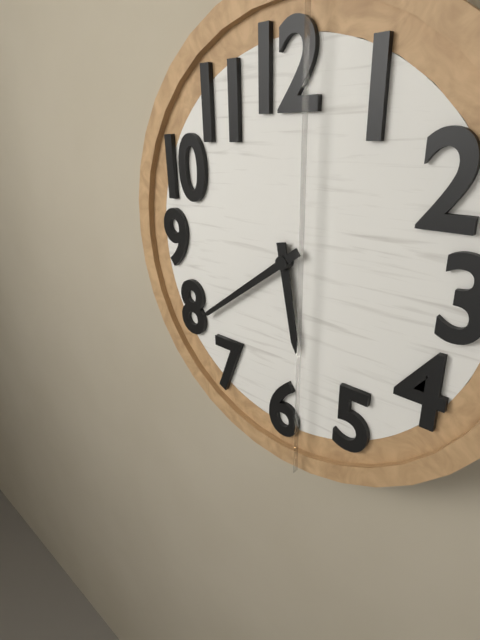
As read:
**5:39**
